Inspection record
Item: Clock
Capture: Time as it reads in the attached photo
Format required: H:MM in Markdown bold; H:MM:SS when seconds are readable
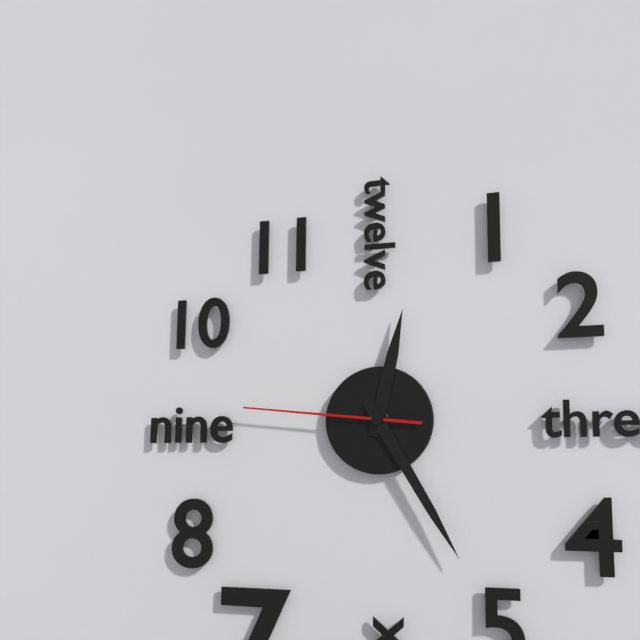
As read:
**12:25:46**
